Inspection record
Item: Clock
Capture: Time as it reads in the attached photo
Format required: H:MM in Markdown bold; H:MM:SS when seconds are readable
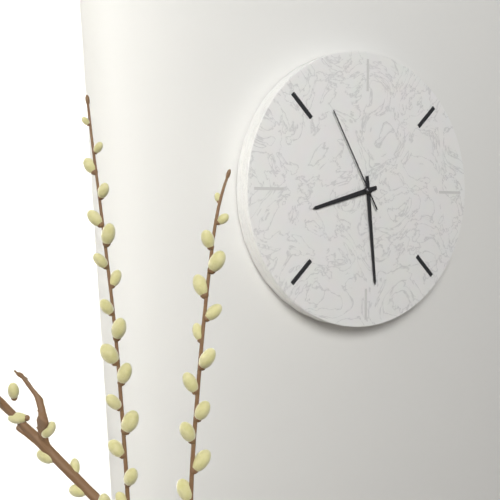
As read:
**8:29:55**
